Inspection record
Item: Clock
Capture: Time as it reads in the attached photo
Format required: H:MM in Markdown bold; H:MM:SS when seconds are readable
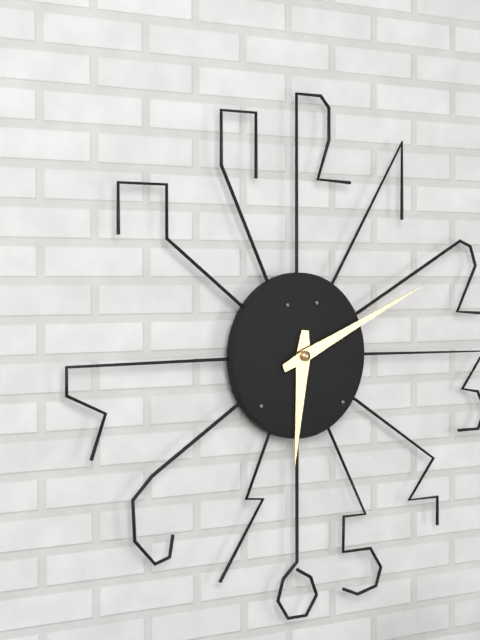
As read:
**6:11**
